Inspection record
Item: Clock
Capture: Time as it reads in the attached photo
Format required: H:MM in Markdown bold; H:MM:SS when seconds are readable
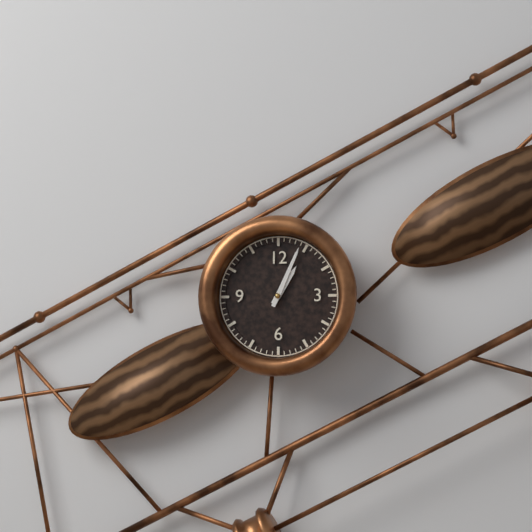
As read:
**1:04**
